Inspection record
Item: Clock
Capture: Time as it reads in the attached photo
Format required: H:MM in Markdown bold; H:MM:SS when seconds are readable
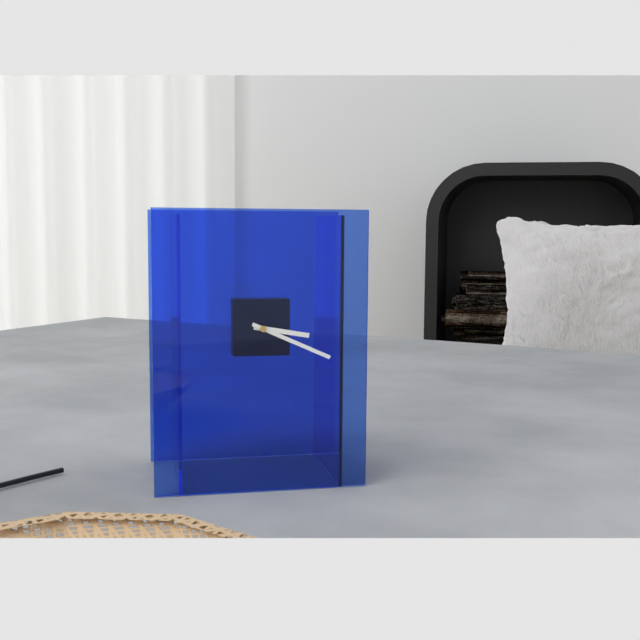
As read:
**3:19**
